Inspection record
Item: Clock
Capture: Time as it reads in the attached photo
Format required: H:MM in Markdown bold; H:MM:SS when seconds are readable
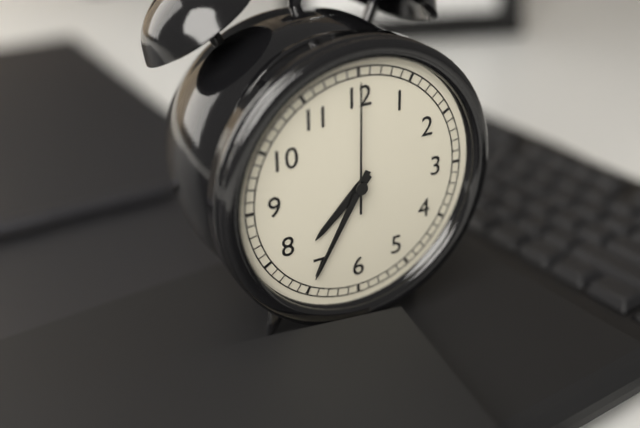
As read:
**7:35:00**
